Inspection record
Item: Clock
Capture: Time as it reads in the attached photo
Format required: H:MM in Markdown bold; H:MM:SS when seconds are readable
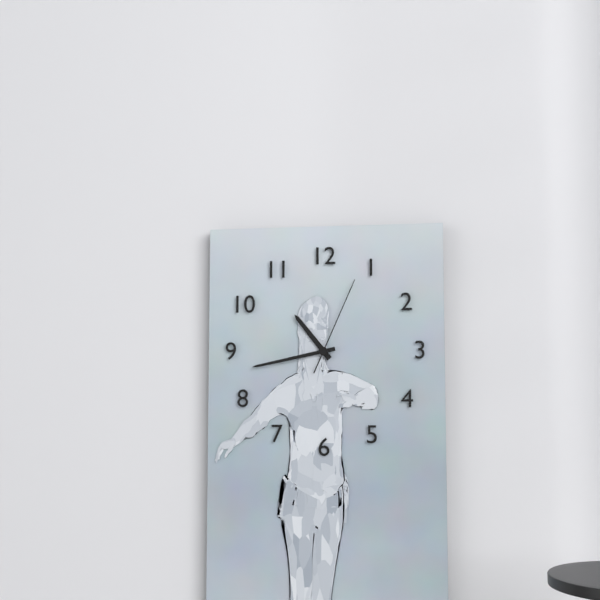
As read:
**10:43:04**
